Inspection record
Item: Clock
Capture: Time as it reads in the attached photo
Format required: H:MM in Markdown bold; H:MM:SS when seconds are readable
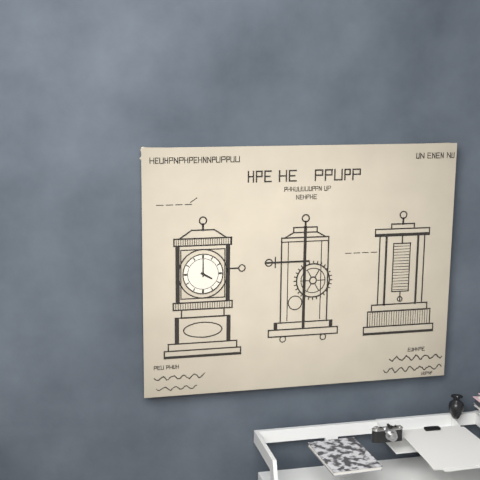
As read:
**4:00**
